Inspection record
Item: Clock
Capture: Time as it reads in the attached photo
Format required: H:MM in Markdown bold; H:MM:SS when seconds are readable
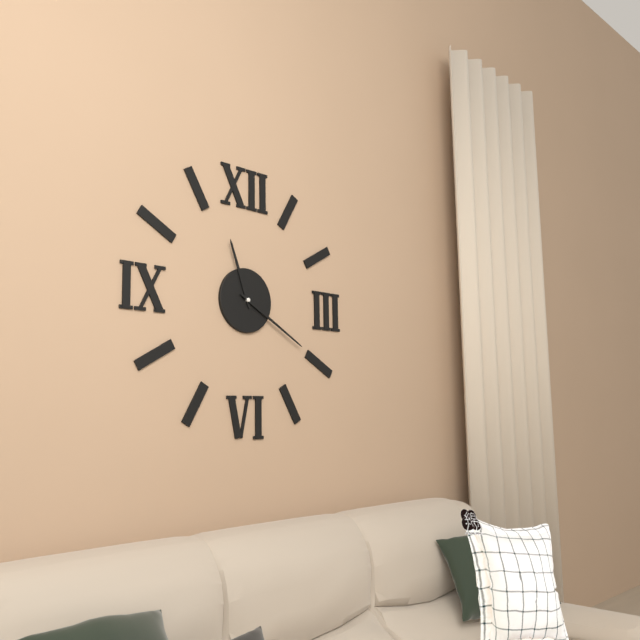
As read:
**11:20**
